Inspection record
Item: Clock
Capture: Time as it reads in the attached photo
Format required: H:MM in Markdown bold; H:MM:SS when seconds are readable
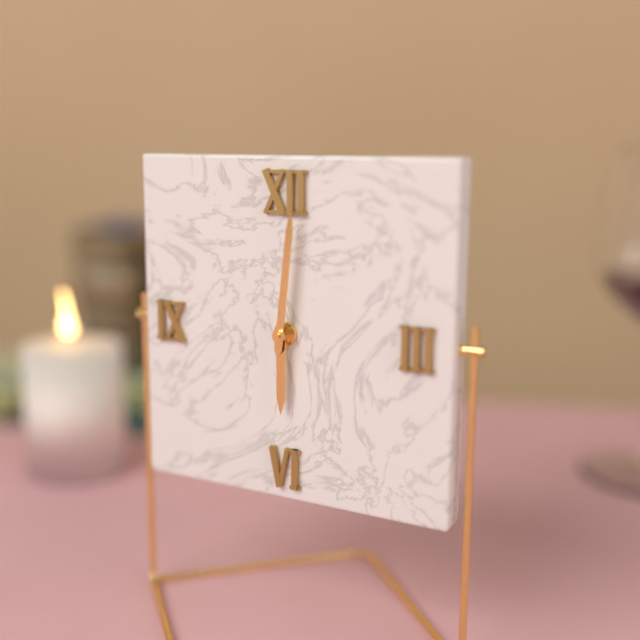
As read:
**6:01**
